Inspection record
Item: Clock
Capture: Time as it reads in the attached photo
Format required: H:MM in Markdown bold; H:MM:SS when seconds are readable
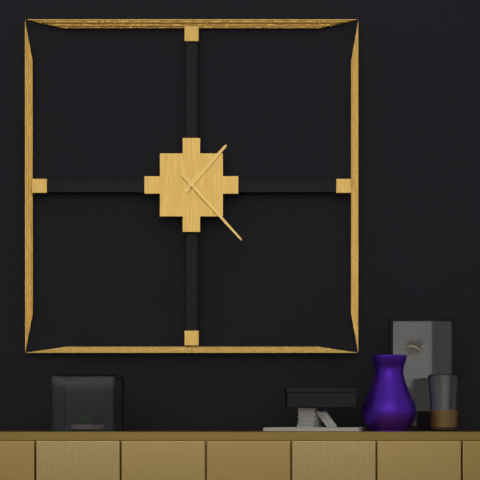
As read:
**1:23**
